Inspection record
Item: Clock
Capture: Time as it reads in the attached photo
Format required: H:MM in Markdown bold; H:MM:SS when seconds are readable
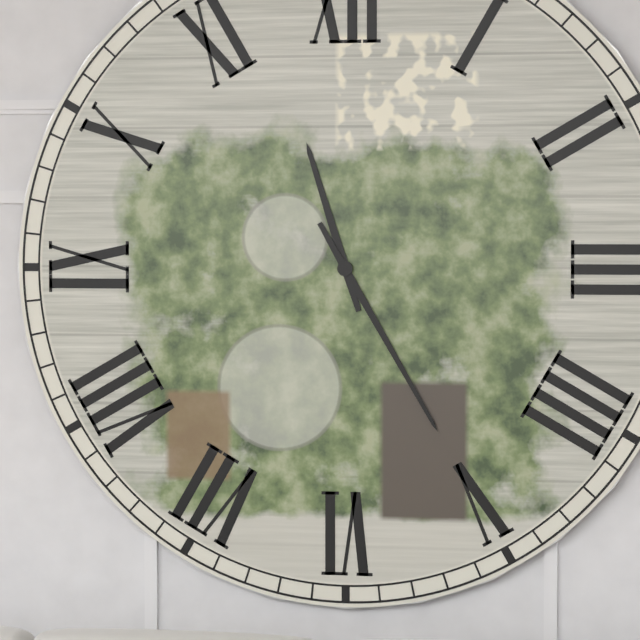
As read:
**11:25**
